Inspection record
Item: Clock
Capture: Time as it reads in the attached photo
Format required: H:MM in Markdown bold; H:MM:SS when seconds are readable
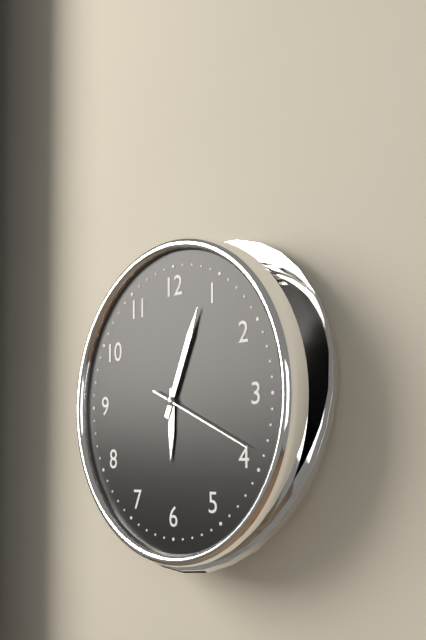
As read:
**6:04:19**
